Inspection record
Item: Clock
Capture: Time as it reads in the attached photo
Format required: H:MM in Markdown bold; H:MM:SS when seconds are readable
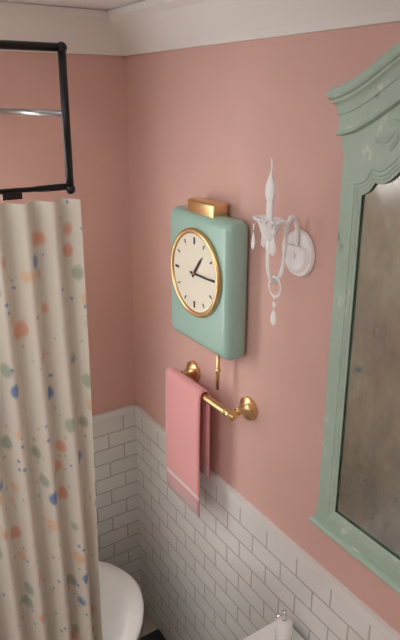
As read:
**1:15**
